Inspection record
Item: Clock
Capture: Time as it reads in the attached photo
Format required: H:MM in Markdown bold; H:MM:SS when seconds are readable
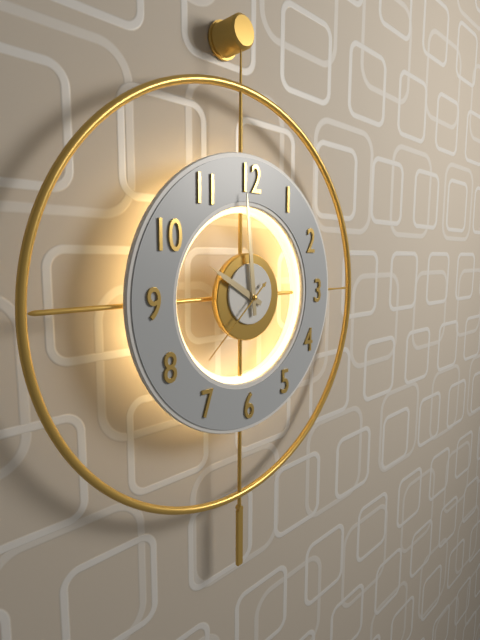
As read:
**9:59:38**
